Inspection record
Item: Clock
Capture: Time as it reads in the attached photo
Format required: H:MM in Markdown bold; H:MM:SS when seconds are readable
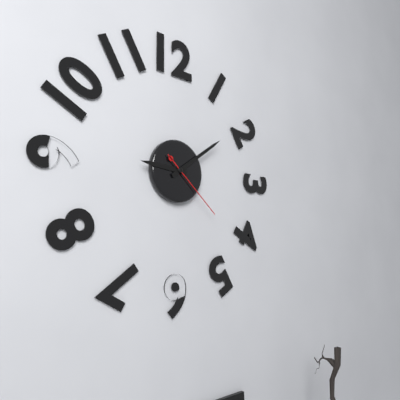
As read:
**9:09:22**
